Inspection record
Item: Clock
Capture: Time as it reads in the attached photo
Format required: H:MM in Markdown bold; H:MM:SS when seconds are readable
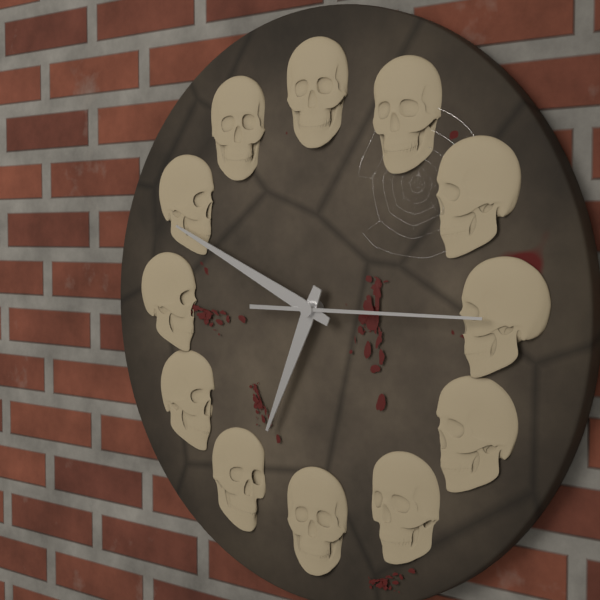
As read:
**6:49:15**
